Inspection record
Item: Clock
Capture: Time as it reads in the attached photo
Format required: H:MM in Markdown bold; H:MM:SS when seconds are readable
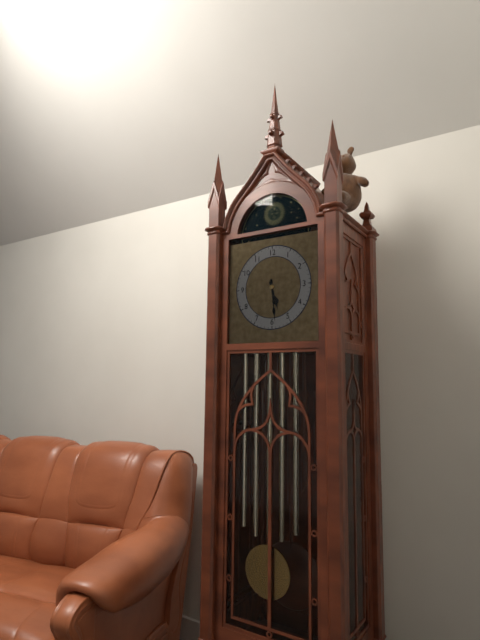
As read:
**5:29**
